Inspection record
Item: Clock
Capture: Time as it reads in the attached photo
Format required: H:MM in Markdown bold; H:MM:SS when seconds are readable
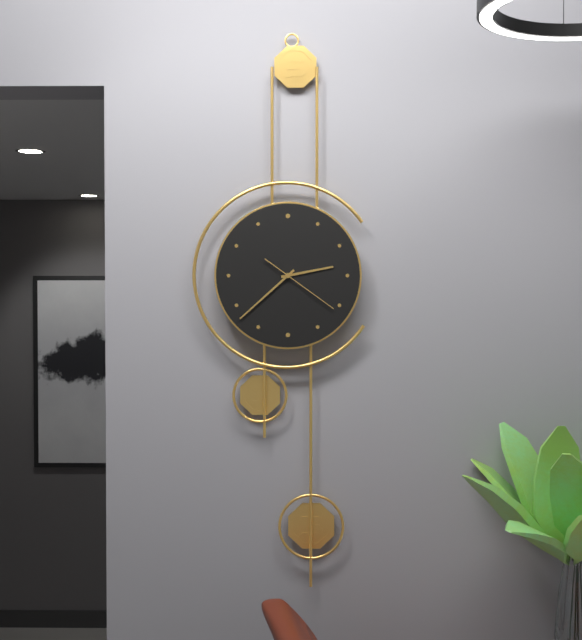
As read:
**2:38:21**
